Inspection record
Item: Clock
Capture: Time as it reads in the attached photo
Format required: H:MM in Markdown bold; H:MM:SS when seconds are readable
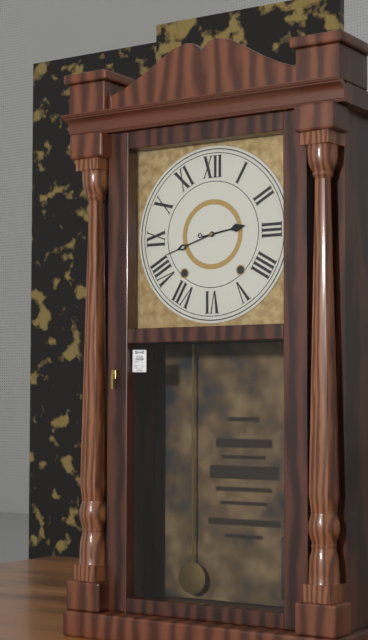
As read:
**2:42**
